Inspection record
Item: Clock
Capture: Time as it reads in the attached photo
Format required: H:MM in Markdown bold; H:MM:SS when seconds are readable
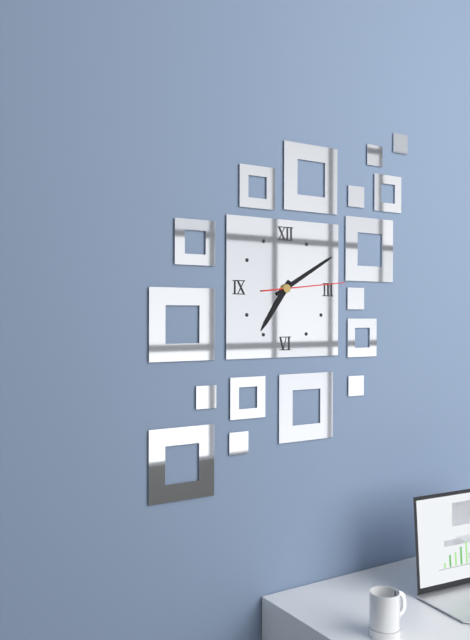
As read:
**7:10:14**
